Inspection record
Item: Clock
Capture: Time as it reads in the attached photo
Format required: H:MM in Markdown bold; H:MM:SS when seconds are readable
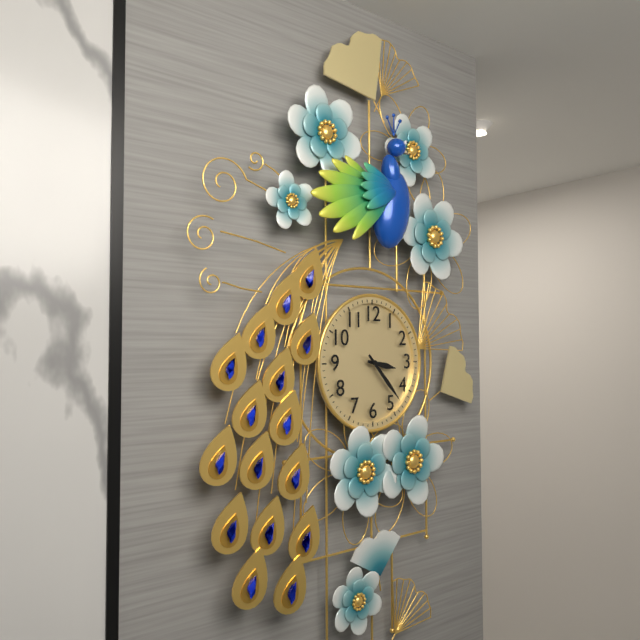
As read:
**3:23**
